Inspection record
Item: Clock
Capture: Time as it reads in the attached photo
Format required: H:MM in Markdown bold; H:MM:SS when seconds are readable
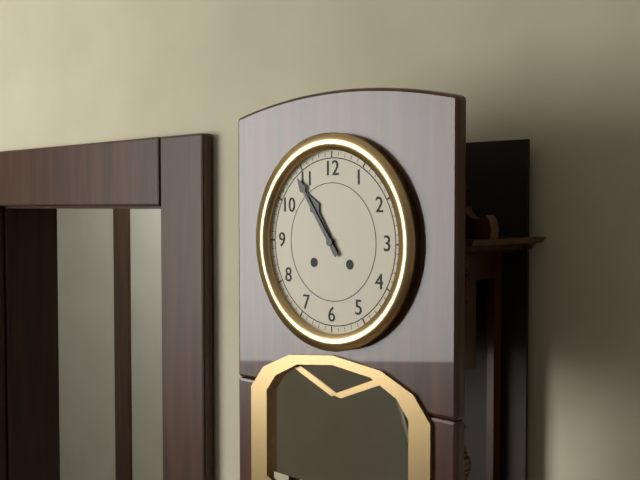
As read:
**10:54**
